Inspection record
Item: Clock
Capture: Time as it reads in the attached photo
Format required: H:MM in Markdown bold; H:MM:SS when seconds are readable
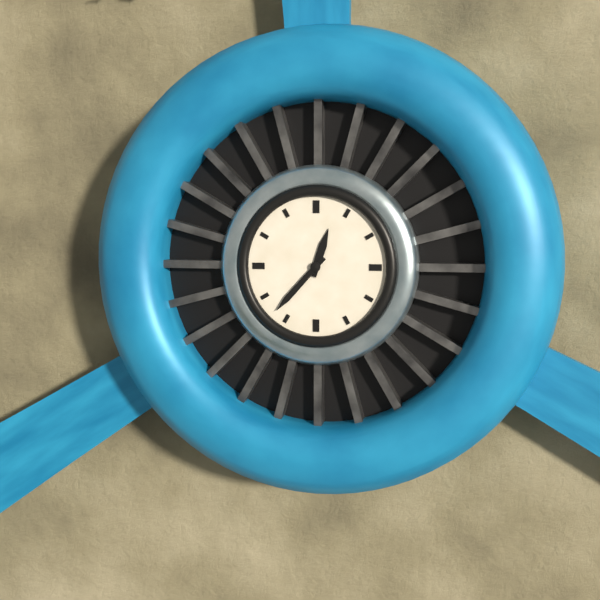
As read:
**12:37**
